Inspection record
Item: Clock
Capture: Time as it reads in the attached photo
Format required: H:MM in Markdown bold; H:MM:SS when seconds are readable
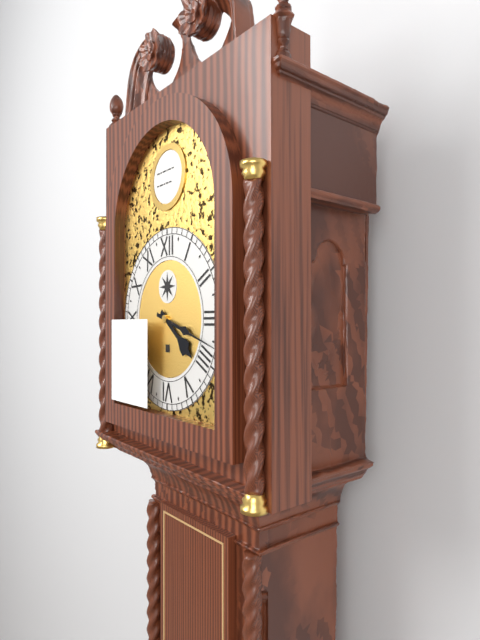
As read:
**4:18**
